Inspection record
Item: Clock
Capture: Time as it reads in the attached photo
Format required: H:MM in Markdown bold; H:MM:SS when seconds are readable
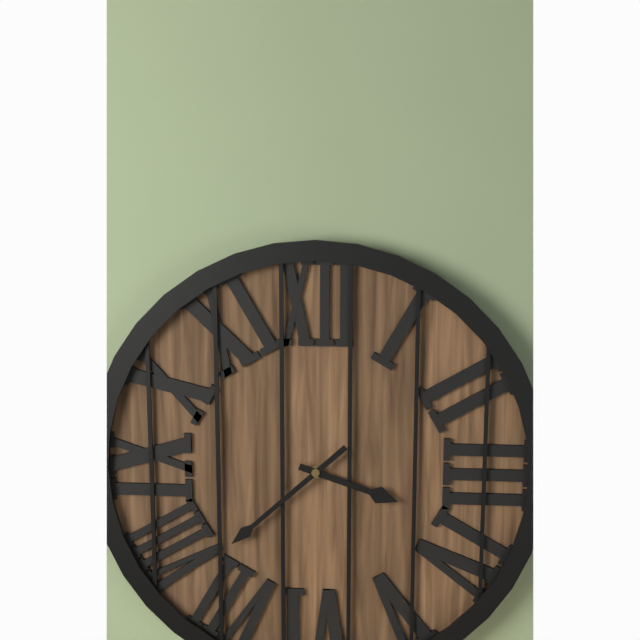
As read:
**3:38**
